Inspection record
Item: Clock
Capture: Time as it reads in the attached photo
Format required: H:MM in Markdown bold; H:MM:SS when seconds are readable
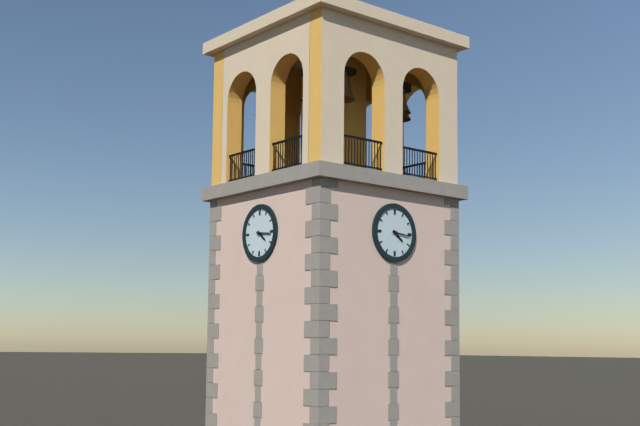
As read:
**4:16**
